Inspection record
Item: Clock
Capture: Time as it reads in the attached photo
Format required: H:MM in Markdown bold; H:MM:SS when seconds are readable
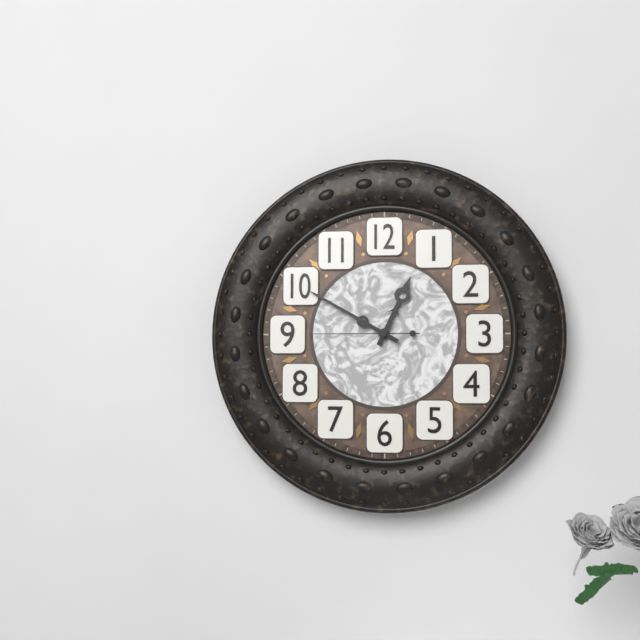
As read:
**12:50:45**
